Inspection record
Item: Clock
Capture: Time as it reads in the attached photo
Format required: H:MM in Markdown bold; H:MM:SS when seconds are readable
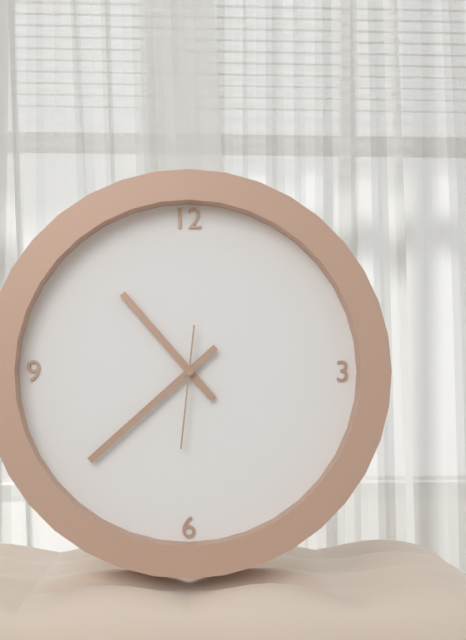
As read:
**10:38:31**
